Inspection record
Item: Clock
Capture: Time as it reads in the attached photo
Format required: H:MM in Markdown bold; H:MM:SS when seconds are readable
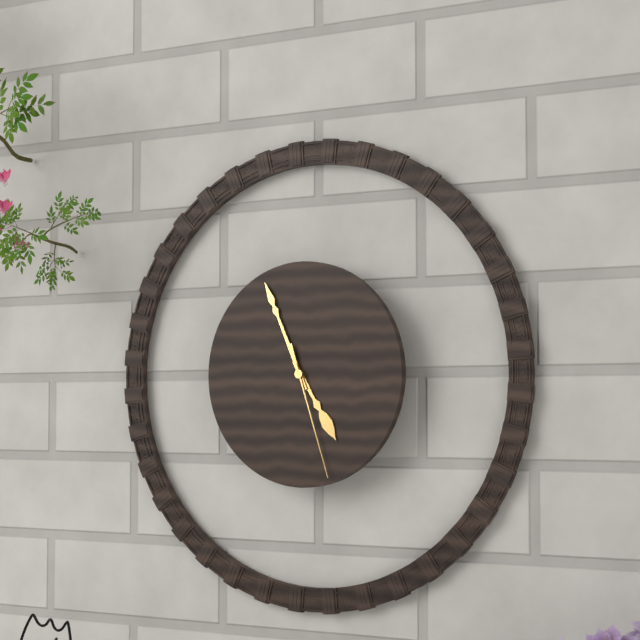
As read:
**4:56:27**
